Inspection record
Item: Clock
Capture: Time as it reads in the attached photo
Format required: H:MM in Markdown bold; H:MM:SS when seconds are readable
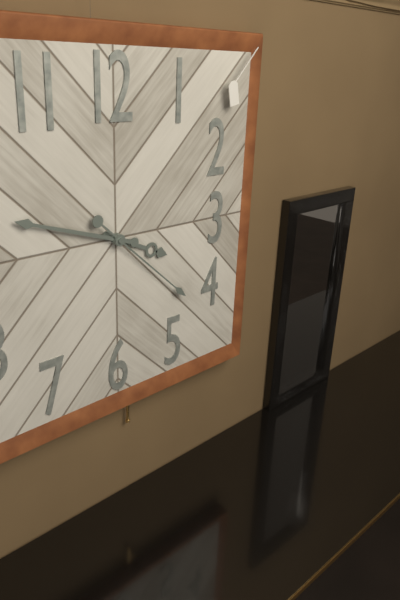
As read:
**3:48:22**
